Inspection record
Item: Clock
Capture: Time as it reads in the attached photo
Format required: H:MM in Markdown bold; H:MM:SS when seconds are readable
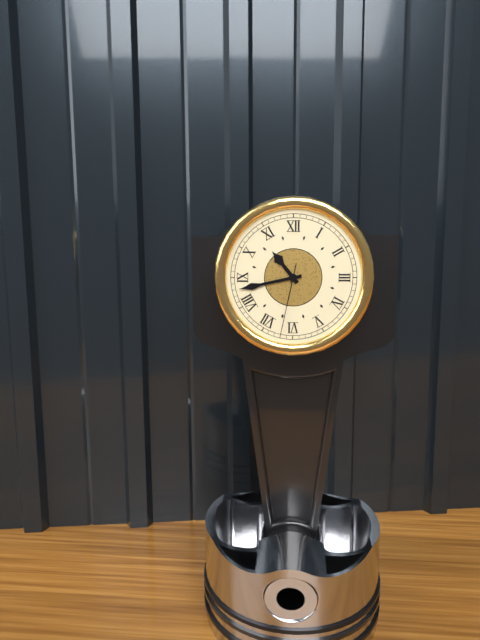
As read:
**10:43:32**
